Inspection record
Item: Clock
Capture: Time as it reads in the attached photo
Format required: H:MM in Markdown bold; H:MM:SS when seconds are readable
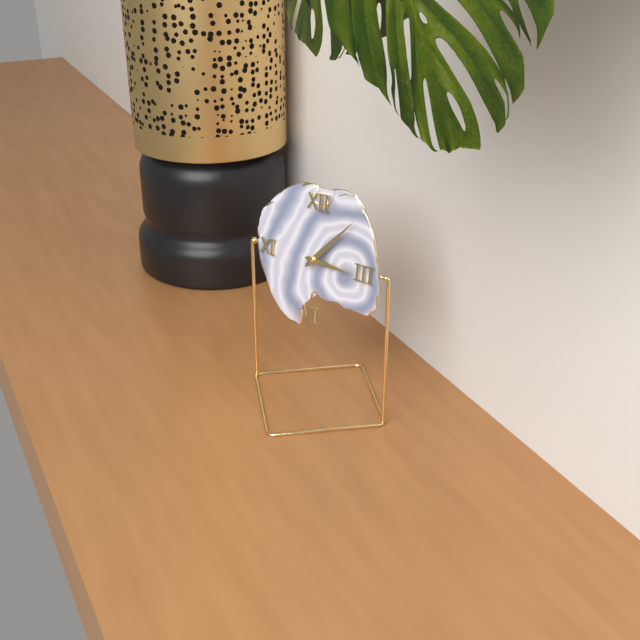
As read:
**3:07**
